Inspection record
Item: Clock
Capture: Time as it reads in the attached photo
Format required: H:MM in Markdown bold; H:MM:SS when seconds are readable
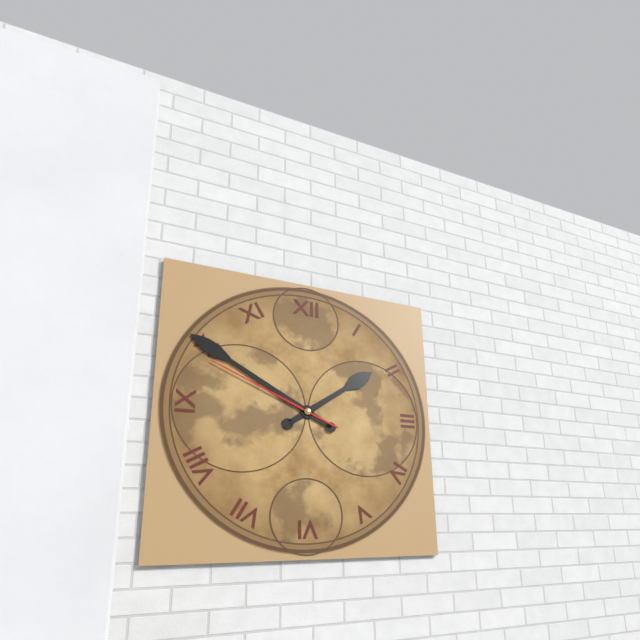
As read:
**1:50:49**
